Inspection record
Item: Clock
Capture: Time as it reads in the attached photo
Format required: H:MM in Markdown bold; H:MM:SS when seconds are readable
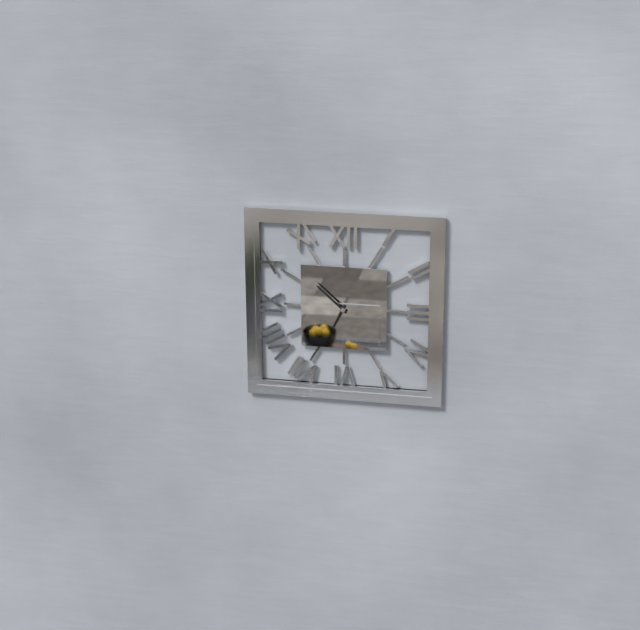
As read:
**6:52**
